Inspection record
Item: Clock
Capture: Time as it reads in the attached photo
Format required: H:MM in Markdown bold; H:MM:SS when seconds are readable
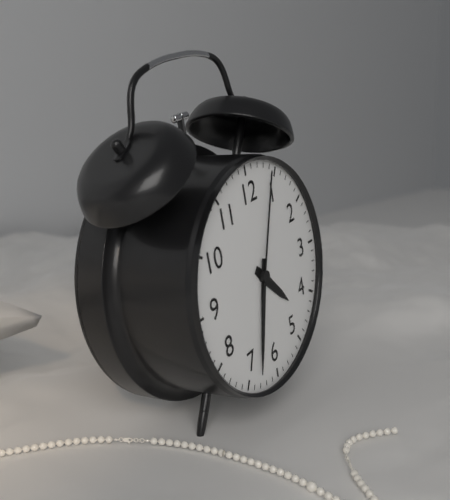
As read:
**4:33:04**
